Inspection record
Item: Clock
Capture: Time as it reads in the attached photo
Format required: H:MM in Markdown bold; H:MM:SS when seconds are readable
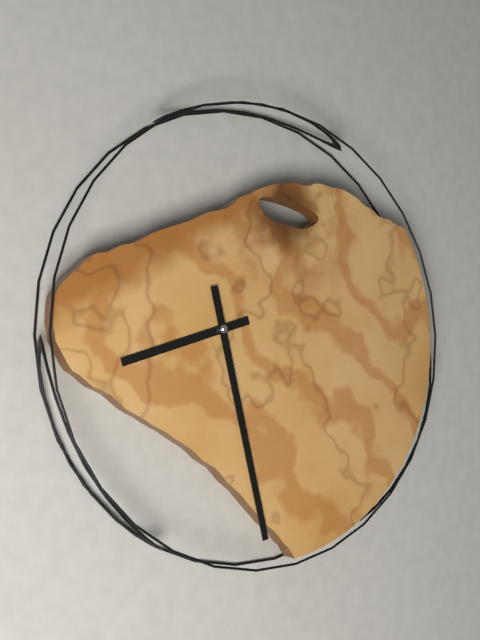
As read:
**8:28**
